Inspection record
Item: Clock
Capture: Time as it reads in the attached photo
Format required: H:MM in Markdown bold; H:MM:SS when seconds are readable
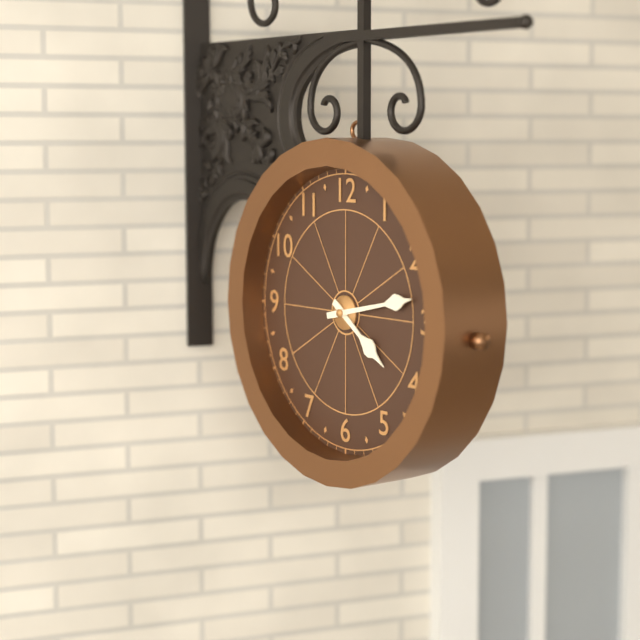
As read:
**4:13**
